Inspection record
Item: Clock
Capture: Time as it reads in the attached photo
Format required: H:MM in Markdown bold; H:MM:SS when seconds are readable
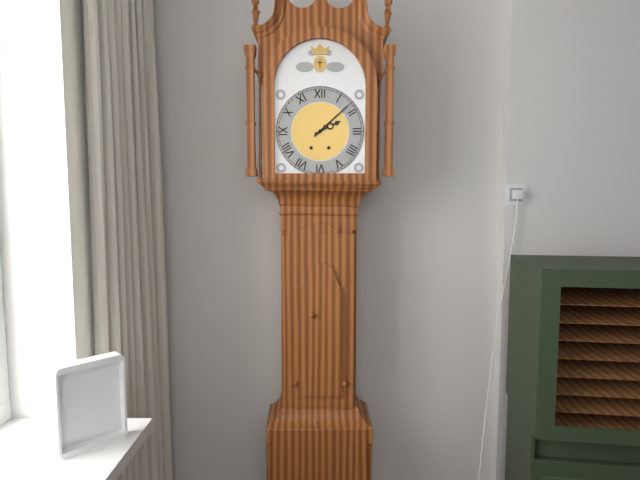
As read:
**2:08**
